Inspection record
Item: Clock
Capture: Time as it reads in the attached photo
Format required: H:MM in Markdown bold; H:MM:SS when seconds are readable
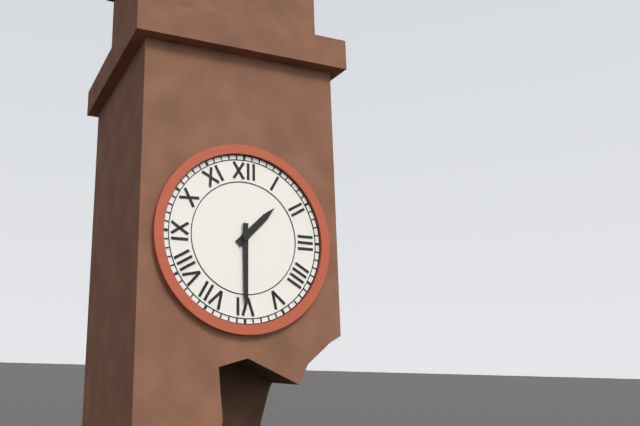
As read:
**1:30**
